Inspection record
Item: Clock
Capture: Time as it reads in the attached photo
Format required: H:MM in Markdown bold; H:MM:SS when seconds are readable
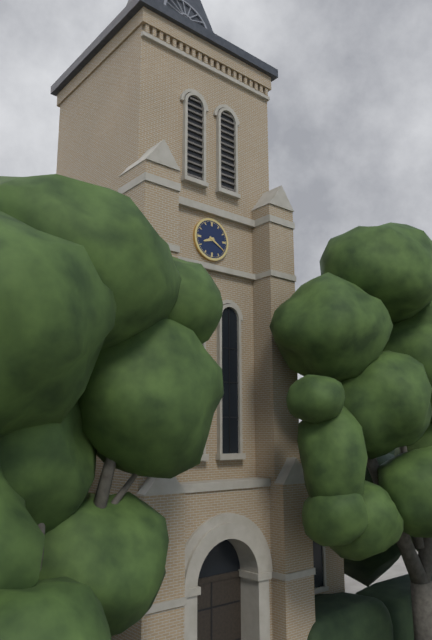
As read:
**8:20**
